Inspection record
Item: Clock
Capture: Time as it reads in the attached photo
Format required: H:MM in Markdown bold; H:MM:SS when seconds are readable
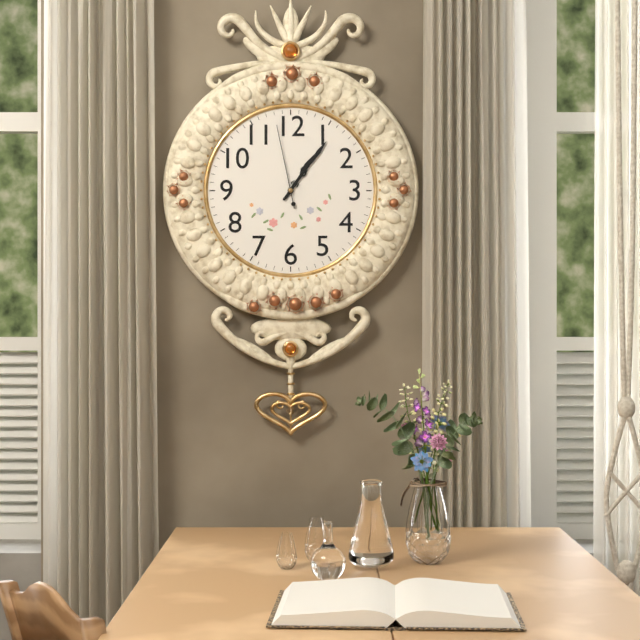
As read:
**1:06:58**
